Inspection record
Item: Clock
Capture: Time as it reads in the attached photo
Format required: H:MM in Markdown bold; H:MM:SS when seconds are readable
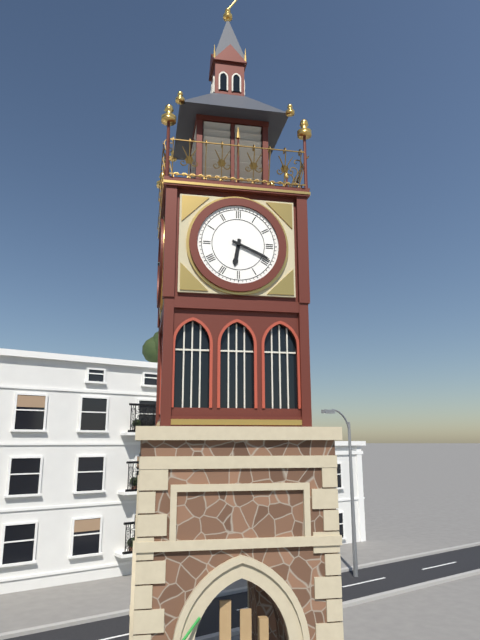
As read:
**6:19**
